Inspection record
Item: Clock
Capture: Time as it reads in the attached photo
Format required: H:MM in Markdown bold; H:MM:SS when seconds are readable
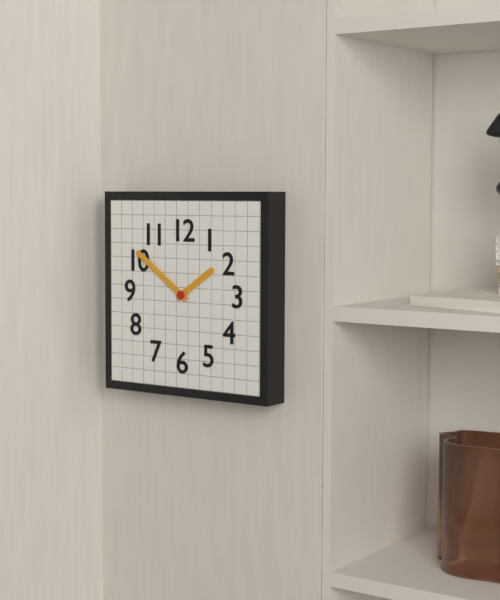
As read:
**1:51**
